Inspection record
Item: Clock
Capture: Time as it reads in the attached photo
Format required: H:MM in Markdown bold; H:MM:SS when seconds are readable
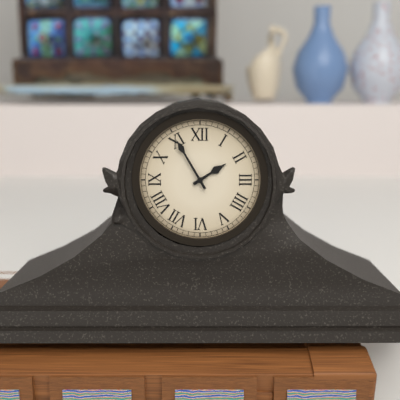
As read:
**1:55**
